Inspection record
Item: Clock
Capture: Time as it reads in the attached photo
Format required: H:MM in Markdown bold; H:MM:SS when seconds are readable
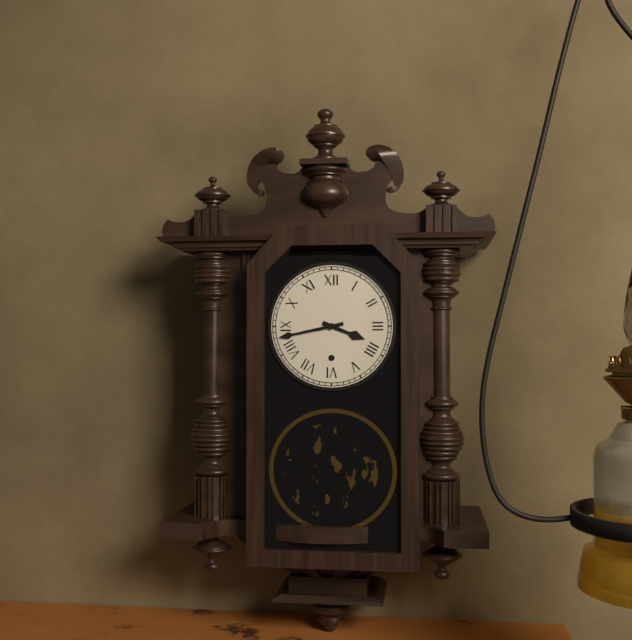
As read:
**3:43**
